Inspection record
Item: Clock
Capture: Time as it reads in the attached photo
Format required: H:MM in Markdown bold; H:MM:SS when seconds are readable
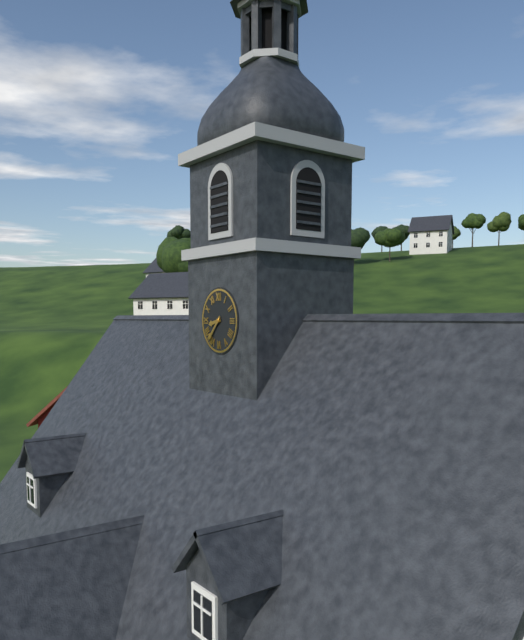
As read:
**8:37**
